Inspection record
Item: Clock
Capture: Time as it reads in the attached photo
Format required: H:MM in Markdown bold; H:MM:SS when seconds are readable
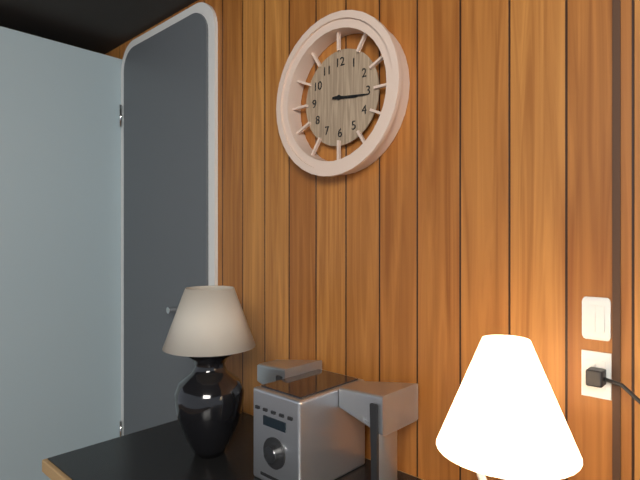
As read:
**3:16**
